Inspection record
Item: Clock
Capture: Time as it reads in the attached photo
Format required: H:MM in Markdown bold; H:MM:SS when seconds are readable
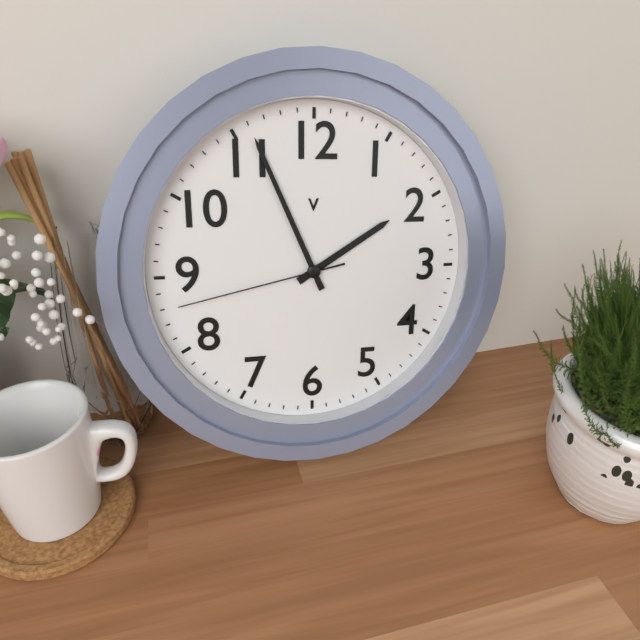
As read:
**1:56:43**
